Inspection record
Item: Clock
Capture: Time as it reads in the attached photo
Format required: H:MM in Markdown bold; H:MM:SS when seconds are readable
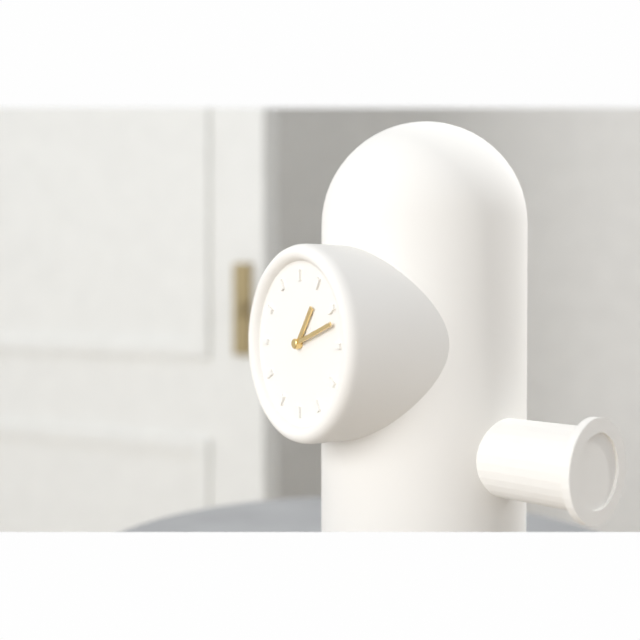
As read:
**1:12**
